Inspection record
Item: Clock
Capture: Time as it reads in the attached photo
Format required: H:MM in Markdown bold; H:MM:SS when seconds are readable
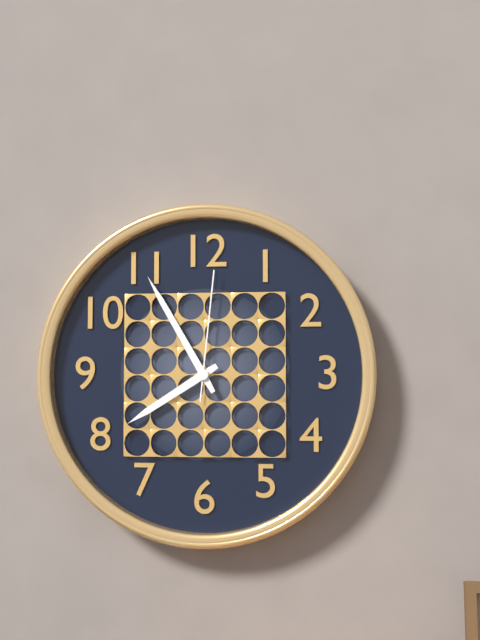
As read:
**7:55:01**
